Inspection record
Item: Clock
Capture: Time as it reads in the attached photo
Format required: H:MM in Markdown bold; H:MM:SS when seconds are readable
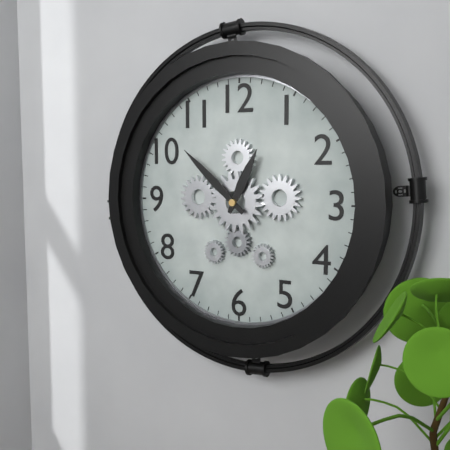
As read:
**12:52**
